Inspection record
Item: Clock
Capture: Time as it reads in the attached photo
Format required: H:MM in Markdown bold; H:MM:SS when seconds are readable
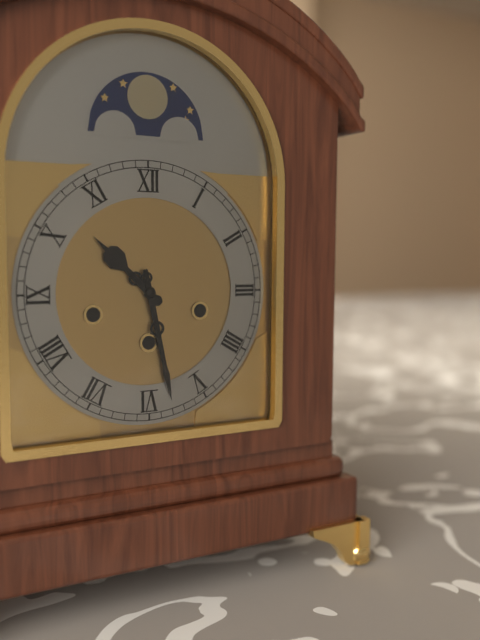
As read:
**10:28**
